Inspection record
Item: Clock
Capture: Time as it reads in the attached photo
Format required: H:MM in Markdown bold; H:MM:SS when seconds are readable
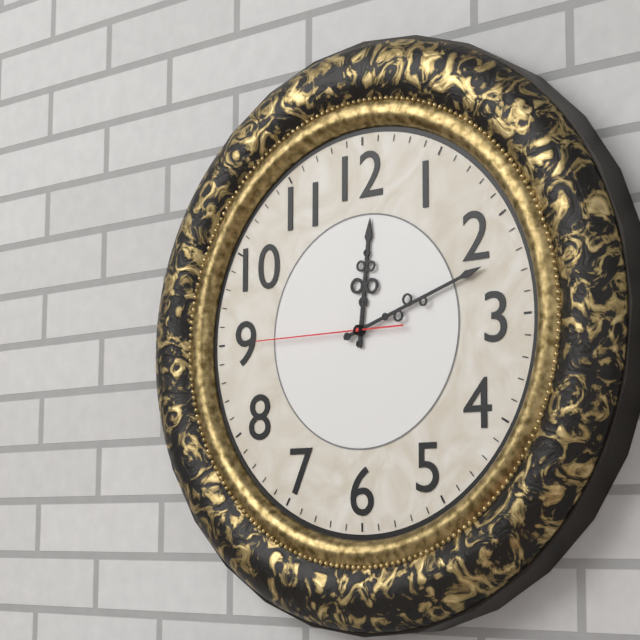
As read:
**12:12:45**
